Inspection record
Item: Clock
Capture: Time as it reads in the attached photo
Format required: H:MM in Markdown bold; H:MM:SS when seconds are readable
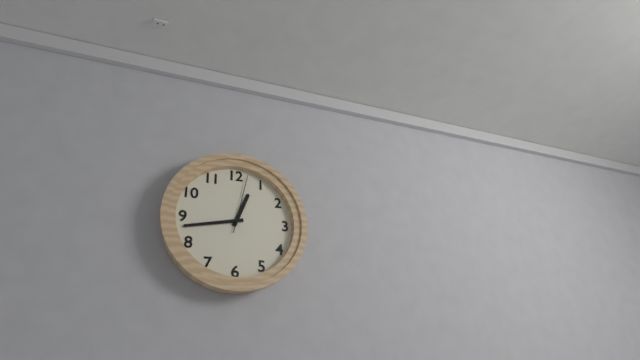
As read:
**12:43:02**
